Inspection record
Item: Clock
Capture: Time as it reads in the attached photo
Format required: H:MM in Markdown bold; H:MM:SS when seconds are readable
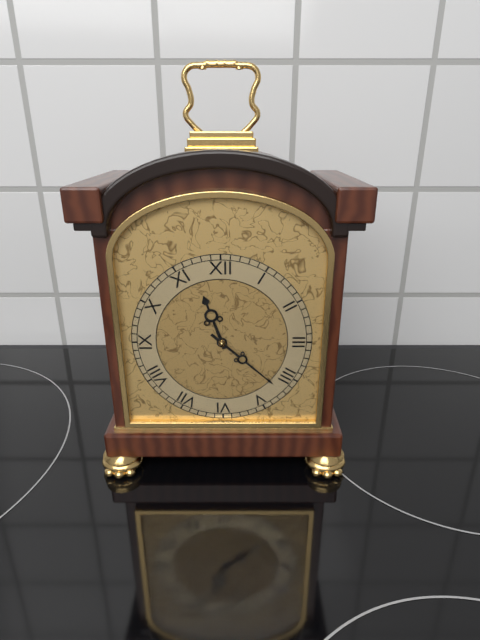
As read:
**11:22**
